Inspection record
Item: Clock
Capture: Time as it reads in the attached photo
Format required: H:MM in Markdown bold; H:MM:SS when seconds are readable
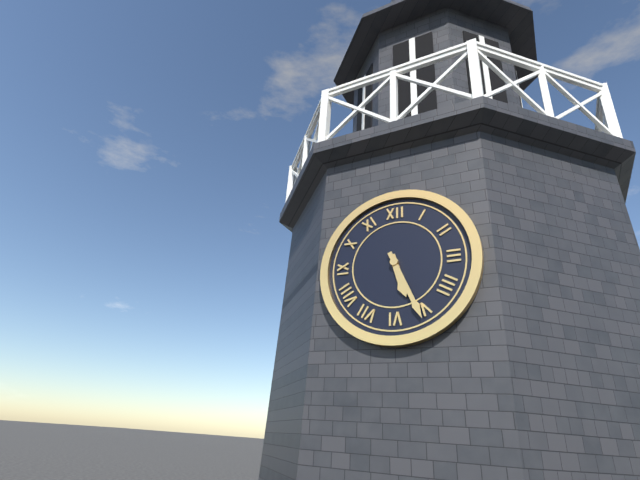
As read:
**5:26**
